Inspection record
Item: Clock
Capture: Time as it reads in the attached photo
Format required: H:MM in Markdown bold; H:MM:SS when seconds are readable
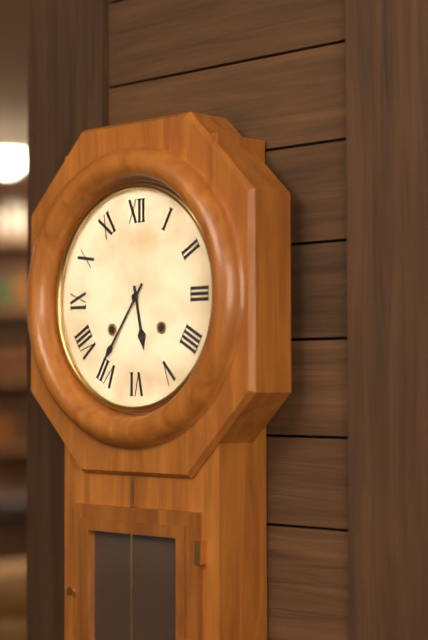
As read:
**5:36**
